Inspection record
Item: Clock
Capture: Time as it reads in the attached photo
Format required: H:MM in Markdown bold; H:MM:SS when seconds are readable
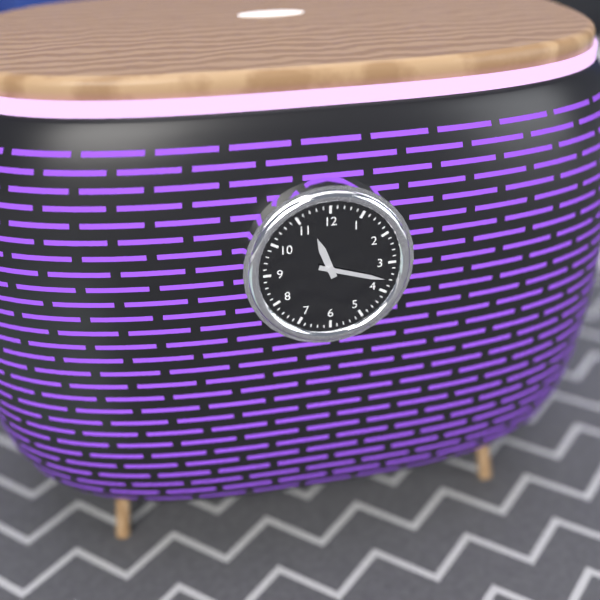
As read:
**11:18**
